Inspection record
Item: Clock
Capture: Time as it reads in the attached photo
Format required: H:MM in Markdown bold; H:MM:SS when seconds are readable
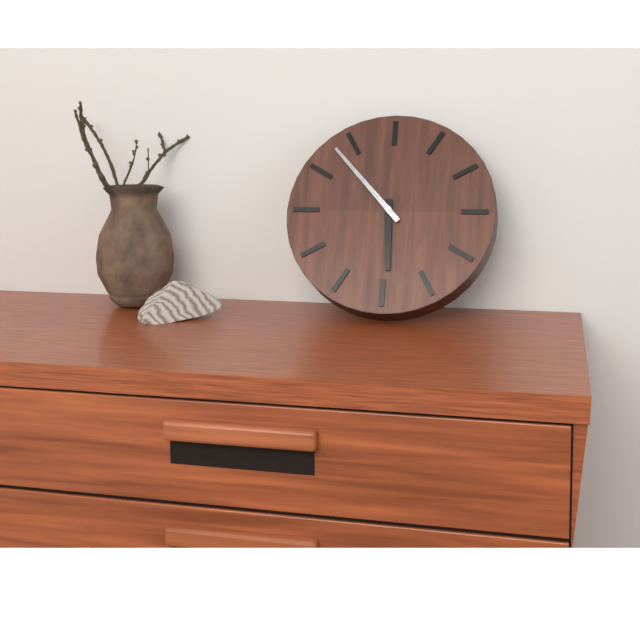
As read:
**5:53**
